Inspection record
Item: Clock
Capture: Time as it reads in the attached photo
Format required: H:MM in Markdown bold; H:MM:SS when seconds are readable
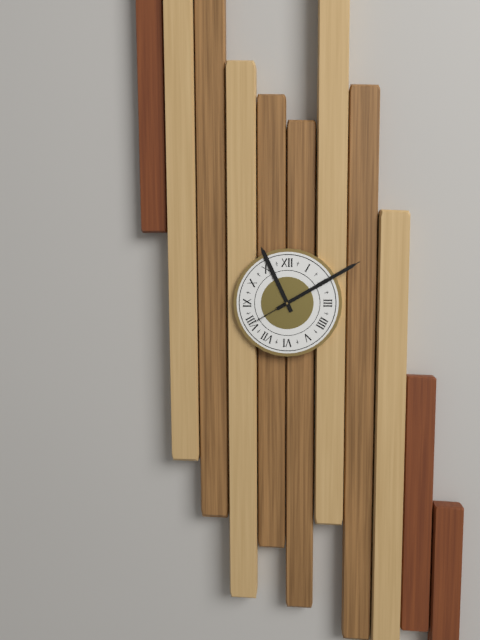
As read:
**11:10:10**
